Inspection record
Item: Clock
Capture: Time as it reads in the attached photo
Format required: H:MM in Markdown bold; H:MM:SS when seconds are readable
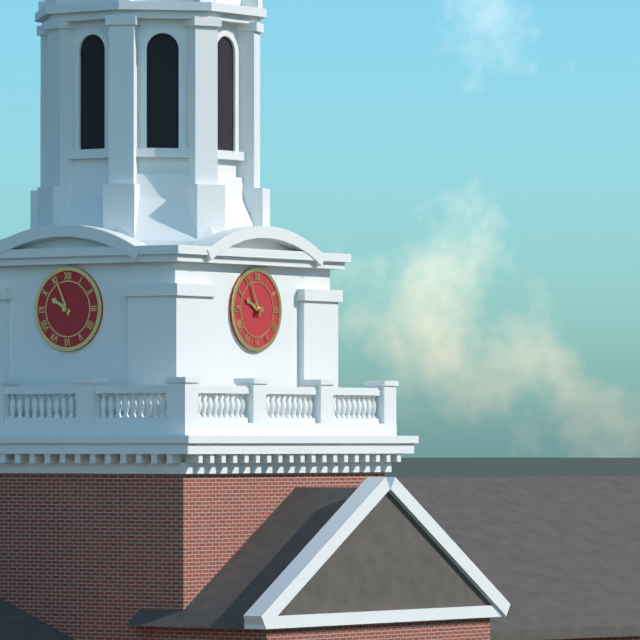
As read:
**9:56**
